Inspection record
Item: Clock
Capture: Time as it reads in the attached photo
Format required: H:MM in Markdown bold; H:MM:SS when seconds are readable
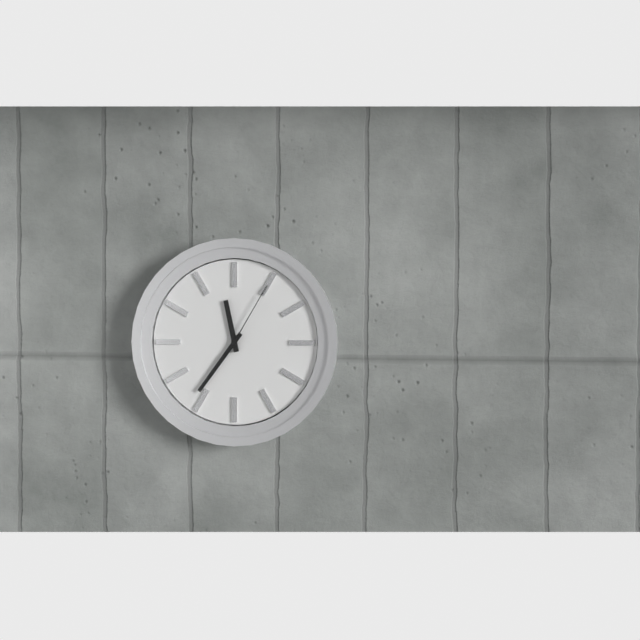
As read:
**11:36:05**
